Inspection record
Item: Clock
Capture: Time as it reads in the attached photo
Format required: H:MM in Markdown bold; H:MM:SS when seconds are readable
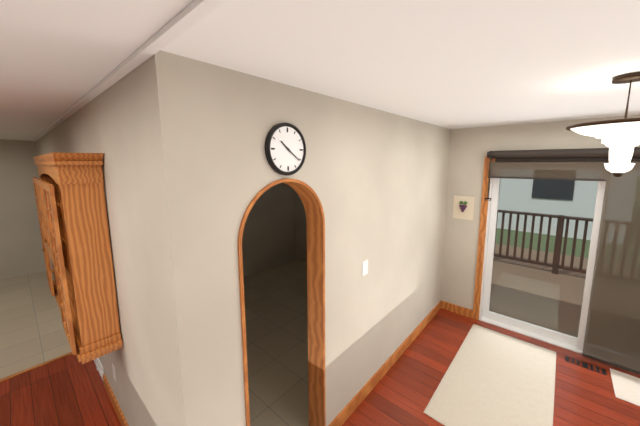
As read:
**10:21**
